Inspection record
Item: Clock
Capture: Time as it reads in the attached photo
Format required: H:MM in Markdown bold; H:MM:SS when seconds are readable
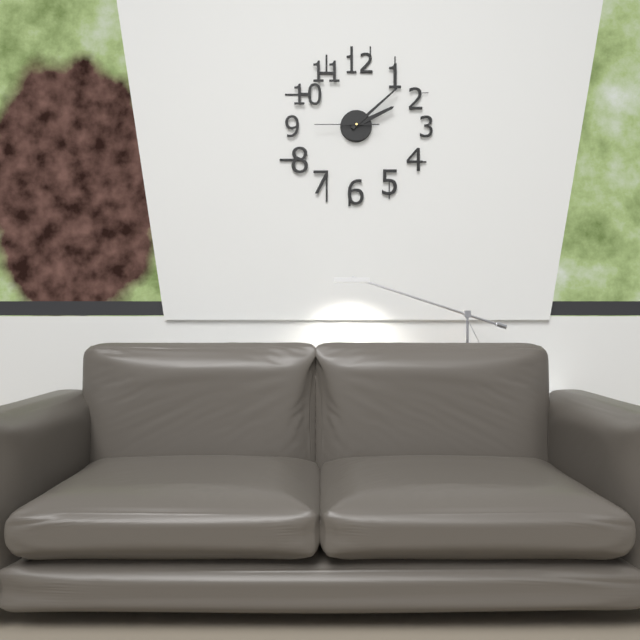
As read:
**2:08:45**
